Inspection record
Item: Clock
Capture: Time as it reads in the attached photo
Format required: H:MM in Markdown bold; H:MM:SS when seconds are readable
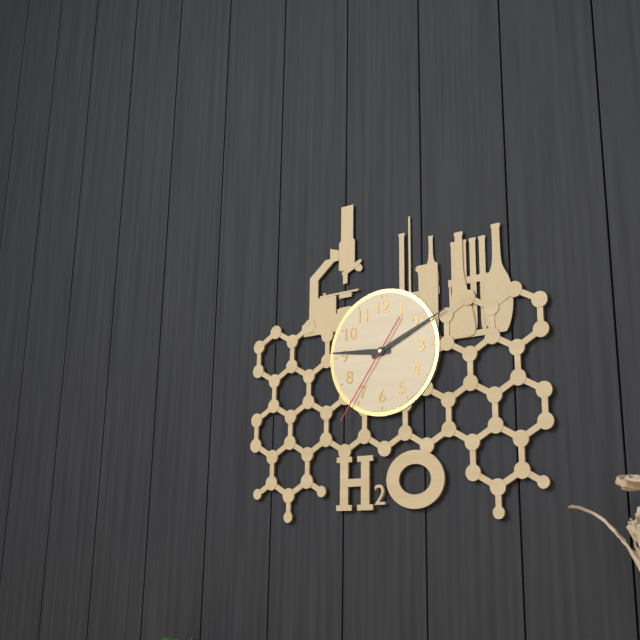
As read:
**9:11:36**
